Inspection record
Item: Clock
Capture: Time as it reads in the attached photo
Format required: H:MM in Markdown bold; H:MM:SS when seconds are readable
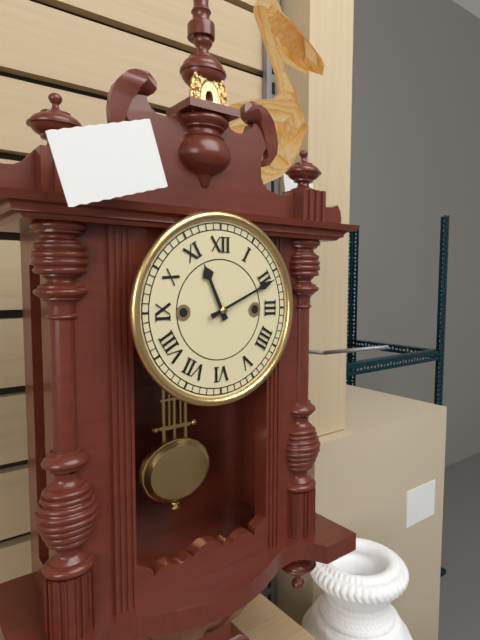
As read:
**11:11**
